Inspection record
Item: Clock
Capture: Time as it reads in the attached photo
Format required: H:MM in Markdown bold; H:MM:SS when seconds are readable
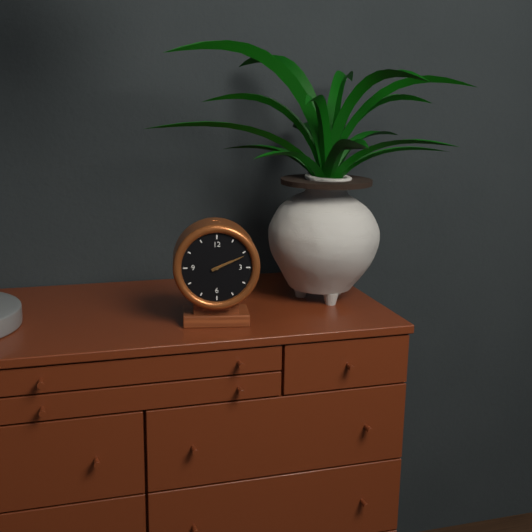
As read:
**2:11**
